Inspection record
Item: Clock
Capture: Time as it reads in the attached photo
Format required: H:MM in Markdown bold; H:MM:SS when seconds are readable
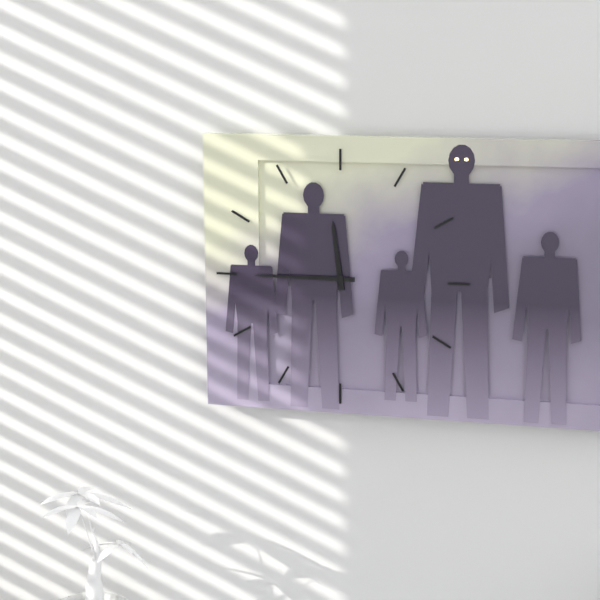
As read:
**11:45**
